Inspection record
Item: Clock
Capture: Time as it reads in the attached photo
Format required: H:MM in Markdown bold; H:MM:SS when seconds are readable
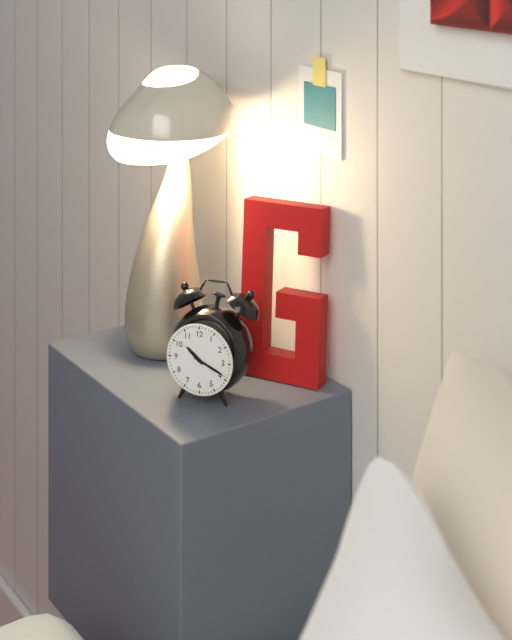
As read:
**10:19**
